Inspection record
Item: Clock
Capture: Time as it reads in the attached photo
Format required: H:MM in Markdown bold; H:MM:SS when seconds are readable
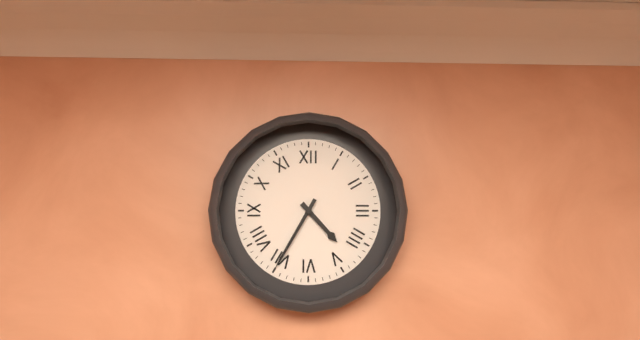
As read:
**4:35**
